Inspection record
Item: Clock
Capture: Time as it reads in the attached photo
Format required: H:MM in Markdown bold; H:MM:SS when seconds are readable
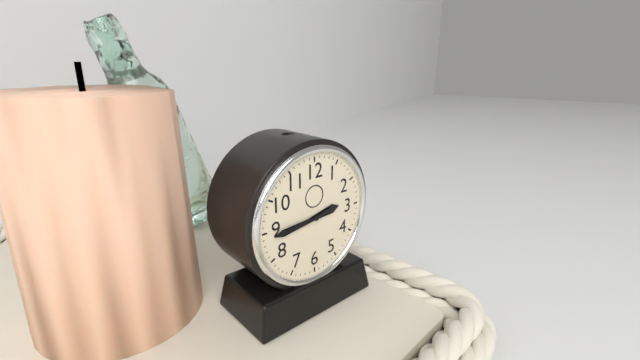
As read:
**2:44**
